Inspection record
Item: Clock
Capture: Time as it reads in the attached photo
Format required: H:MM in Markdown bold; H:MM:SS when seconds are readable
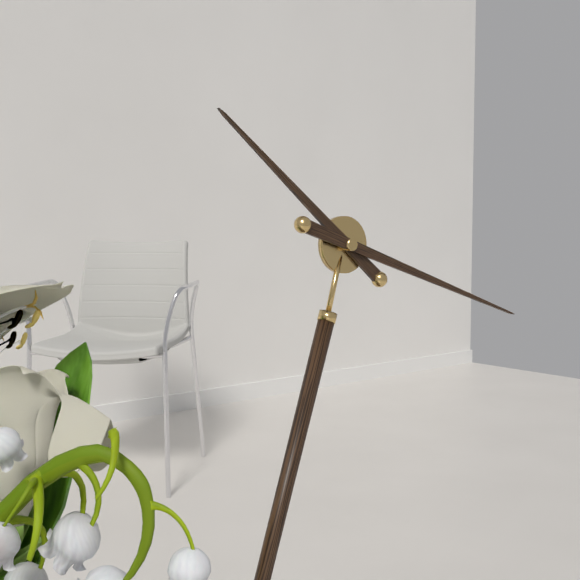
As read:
**10:18**
